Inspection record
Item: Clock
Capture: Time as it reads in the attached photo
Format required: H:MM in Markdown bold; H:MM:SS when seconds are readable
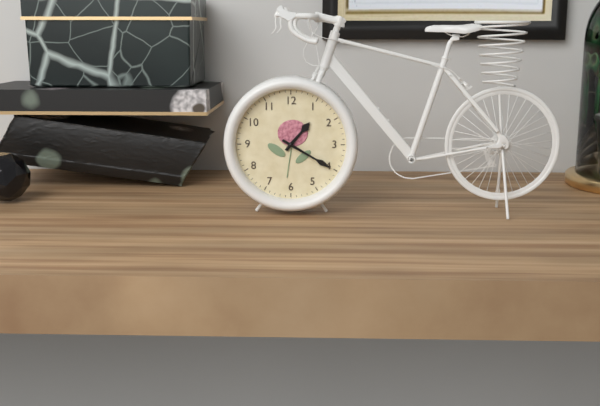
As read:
**1:20**
